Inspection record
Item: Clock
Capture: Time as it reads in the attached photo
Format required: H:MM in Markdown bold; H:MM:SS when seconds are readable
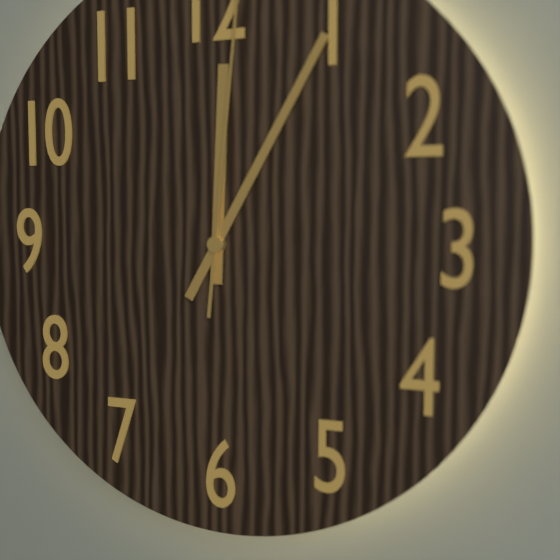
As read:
**12:05**
